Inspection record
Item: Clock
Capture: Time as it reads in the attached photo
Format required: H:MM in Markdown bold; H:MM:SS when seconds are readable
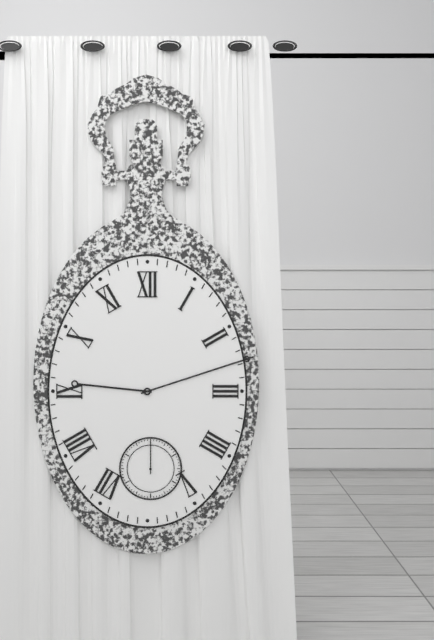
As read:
**9:12**
